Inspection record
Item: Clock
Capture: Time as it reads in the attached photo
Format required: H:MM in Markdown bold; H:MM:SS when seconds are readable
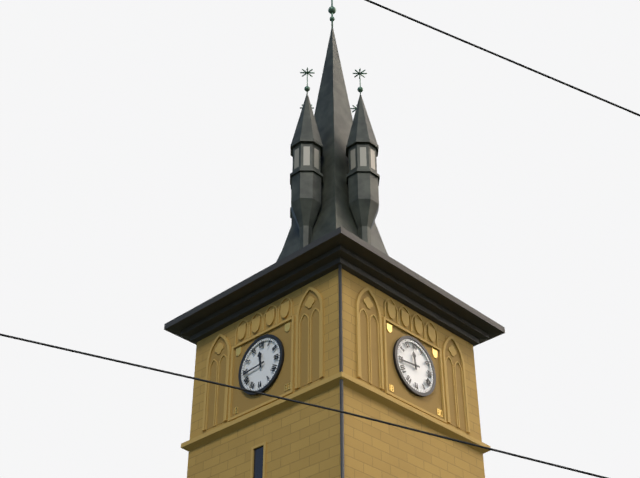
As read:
**11:44**
